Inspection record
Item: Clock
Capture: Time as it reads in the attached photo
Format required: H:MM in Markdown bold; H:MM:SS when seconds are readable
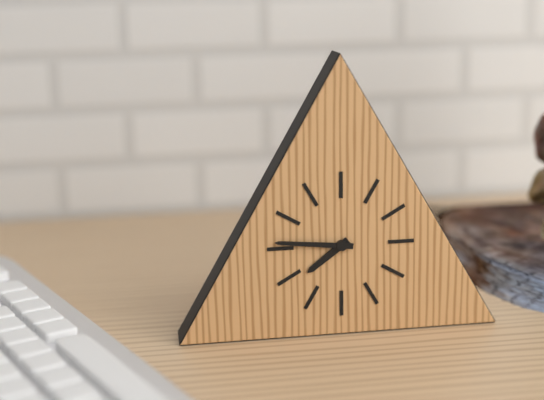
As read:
**7:46**
